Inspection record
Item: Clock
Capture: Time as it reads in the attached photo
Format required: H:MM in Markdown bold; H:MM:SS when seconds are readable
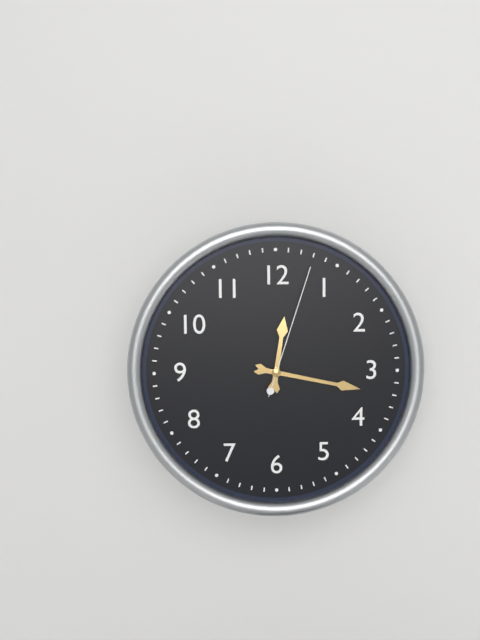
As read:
**12:17:03**
